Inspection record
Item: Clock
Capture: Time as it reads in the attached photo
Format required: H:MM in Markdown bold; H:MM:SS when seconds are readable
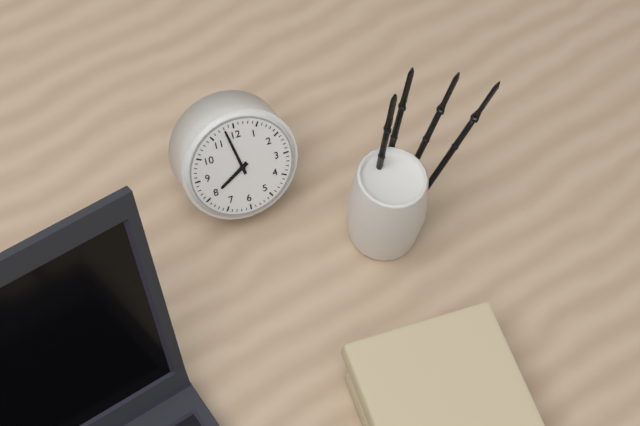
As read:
**7:58**
